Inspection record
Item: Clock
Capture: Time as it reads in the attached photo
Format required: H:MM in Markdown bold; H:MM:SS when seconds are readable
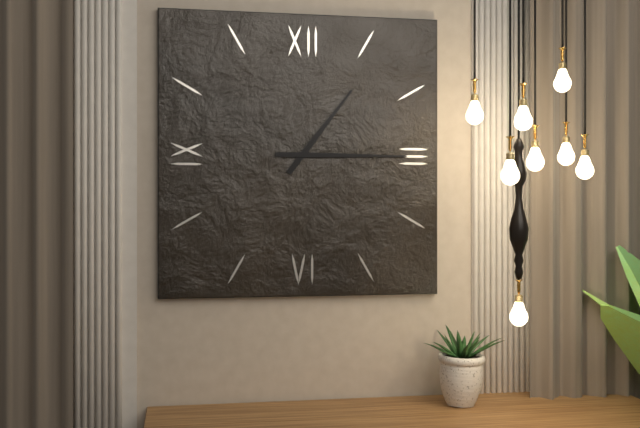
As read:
**1:15**
